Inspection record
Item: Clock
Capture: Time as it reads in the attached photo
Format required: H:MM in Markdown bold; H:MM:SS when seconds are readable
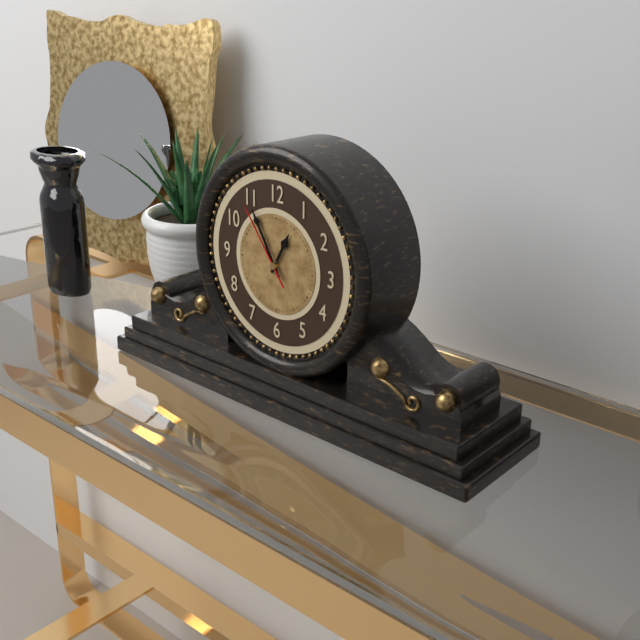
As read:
**12:55:54**
